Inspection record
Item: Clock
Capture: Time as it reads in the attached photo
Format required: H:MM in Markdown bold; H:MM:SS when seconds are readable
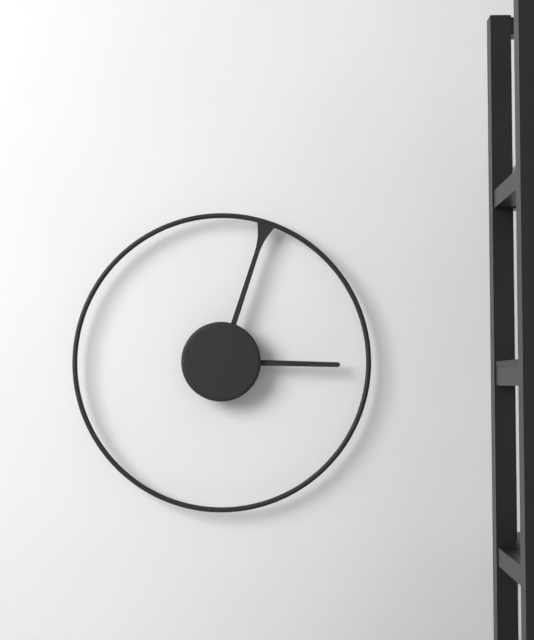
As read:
**3:03**
